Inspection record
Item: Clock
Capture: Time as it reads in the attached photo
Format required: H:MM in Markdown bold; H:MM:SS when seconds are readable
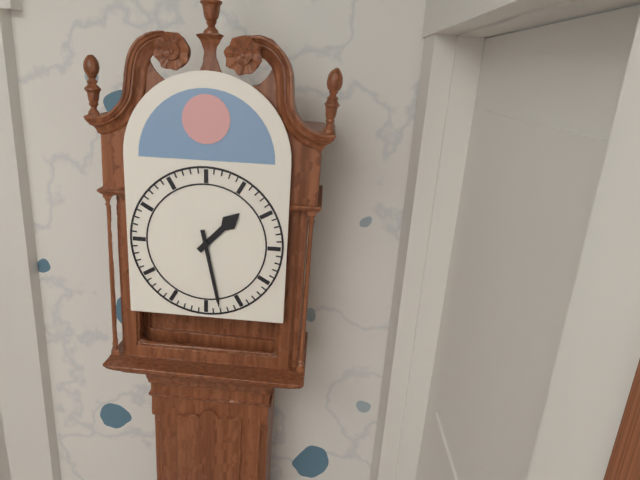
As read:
**1:28**
